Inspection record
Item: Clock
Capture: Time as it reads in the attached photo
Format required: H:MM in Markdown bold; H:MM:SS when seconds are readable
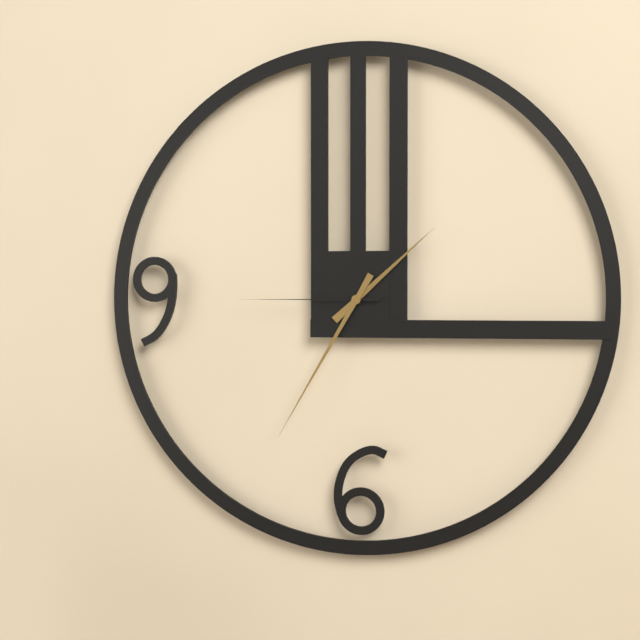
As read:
**1:35:45**
